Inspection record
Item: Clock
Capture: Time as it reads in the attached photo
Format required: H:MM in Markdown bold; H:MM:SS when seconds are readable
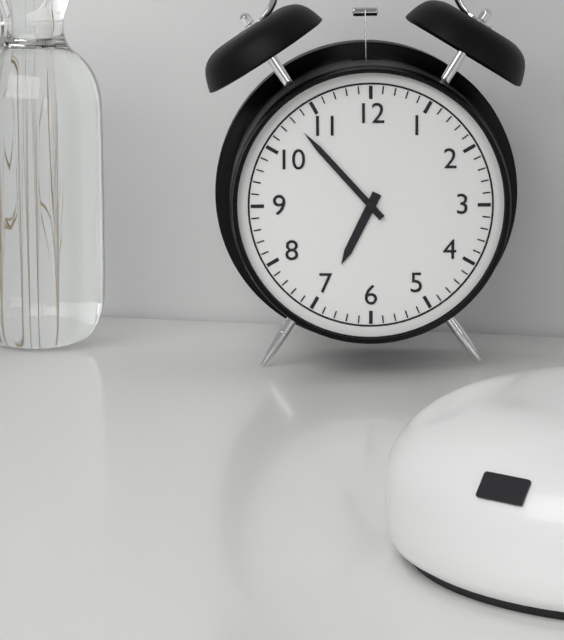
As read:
**6:53**
